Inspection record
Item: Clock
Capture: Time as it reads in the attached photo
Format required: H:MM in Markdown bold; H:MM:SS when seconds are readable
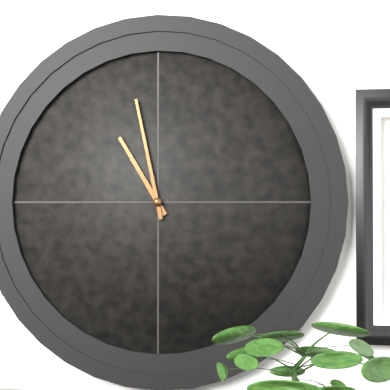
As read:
**10:58**
